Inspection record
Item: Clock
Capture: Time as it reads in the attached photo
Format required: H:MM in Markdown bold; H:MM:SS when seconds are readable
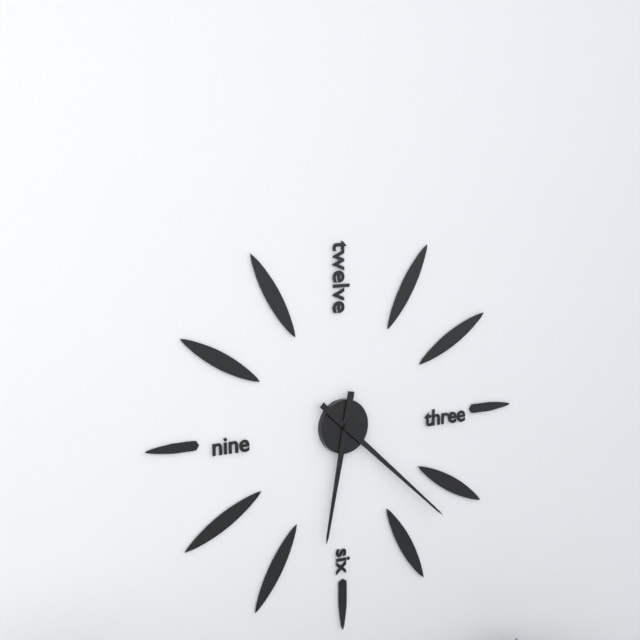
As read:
**6:22**
